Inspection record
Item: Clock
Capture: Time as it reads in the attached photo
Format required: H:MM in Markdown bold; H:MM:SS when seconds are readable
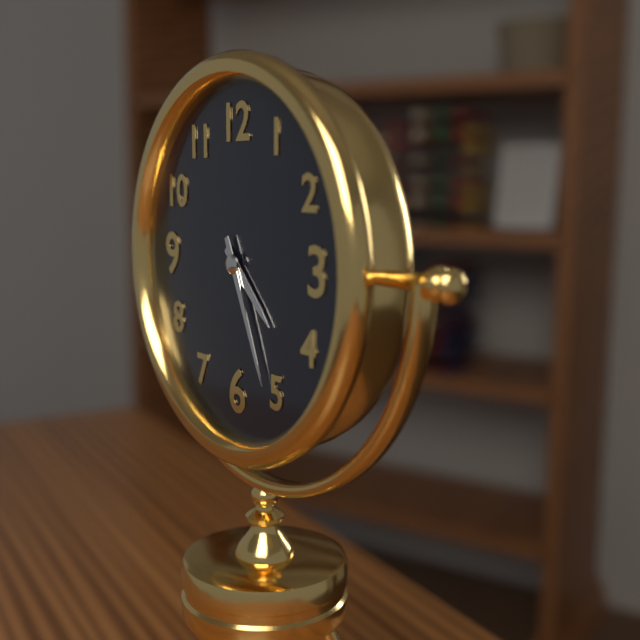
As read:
**4:26**
